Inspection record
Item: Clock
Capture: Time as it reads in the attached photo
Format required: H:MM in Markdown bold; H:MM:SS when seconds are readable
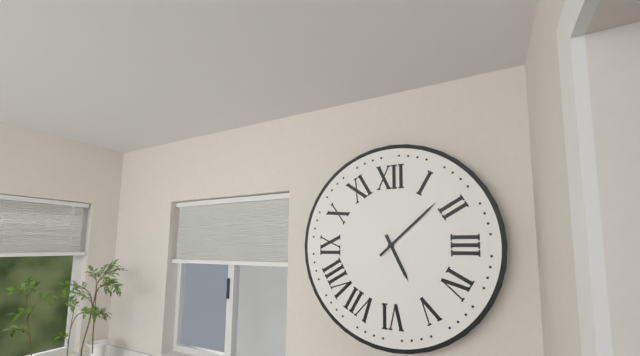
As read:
**5:08**
